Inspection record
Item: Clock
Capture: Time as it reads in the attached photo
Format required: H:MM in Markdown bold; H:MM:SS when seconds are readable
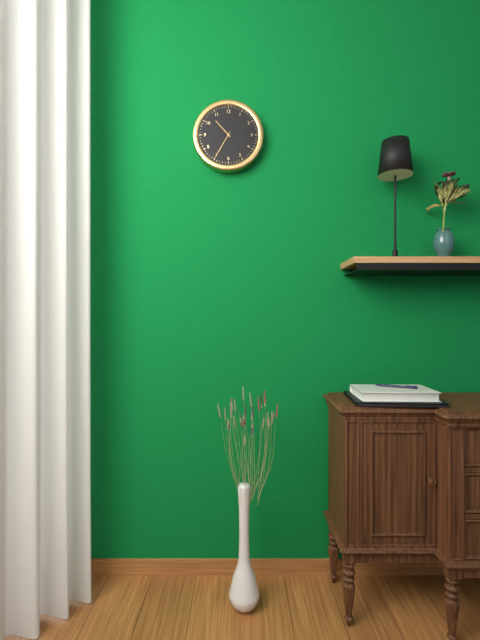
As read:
**10:35**
